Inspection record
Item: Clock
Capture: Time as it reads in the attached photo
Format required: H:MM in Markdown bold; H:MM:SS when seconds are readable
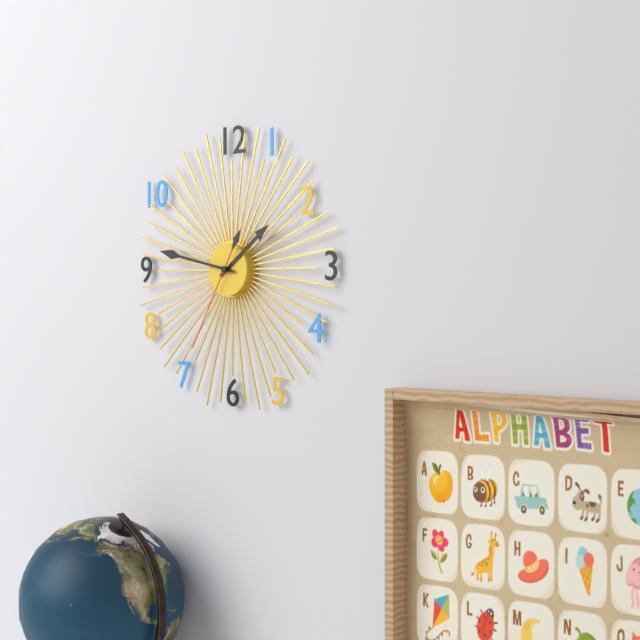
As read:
**1:47:35**
